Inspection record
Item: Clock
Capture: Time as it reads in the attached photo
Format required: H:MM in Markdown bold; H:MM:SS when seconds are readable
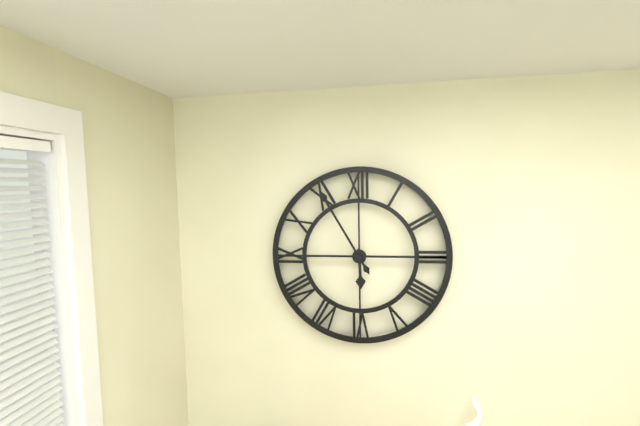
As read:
**5:55**
